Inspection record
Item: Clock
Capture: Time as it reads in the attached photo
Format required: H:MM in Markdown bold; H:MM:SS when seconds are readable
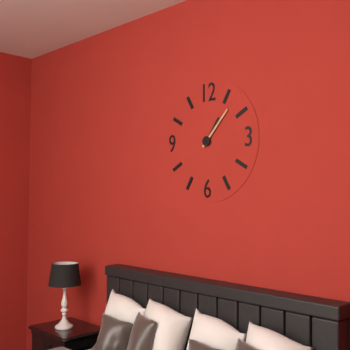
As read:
**1:07**
